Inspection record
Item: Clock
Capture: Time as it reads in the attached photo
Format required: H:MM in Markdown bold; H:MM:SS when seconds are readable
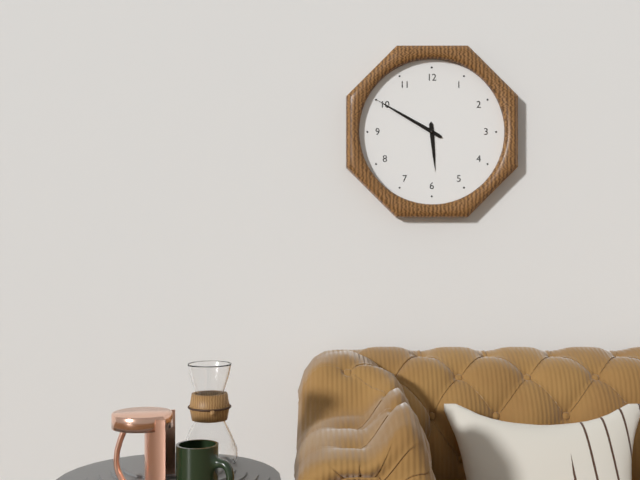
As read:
**5:50**
